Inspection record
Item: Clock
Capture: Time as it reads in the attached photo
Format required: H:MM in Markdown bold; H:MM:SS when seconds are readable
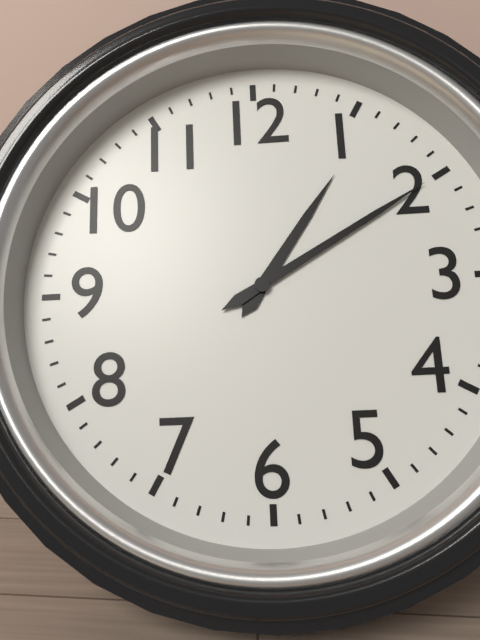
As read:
**1:10**
